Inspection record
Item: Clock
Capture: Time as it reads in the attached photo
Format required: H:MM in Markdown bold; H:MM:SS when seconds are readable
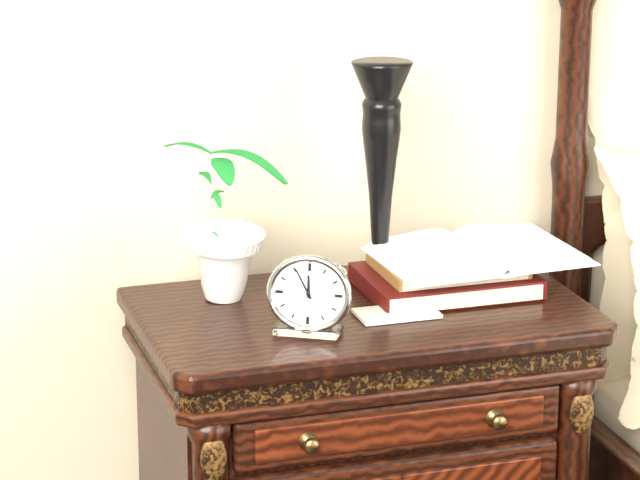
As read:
**11:55**
